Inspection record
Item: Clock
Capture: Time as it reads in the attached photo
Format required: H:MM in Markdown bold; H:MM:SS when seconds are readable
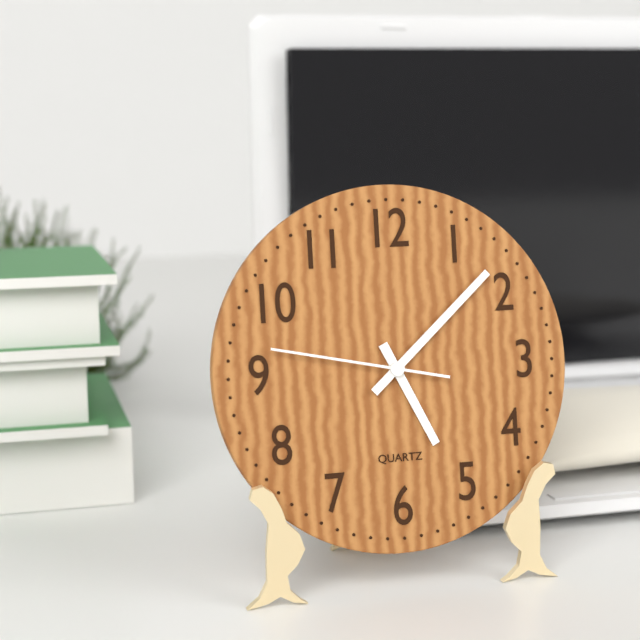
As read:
**5:08:47**
